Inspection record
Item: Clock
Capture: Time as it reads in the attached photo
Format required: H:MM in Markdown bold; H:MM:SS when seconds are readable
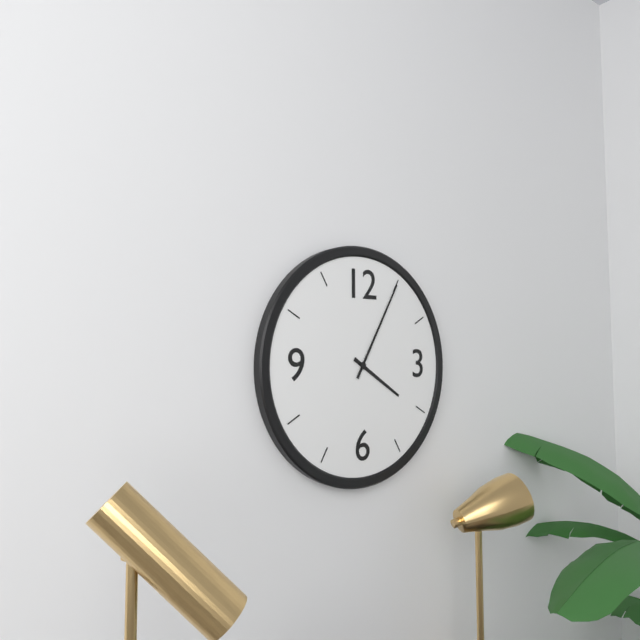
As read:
**4:05**
